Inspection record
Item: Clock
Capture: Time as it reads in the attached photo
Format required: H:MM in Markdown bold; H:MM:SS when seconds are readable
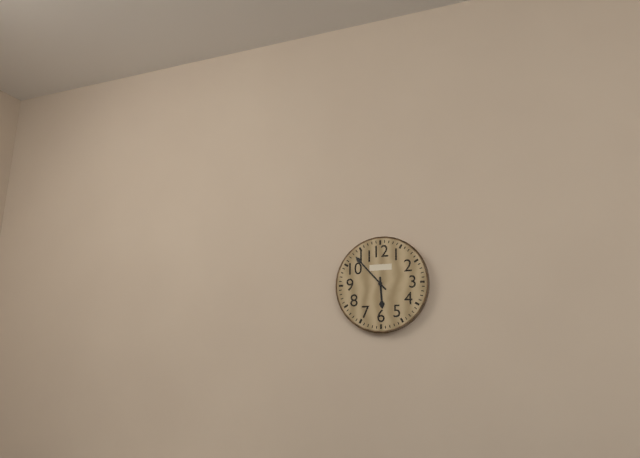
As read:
**5:53**
